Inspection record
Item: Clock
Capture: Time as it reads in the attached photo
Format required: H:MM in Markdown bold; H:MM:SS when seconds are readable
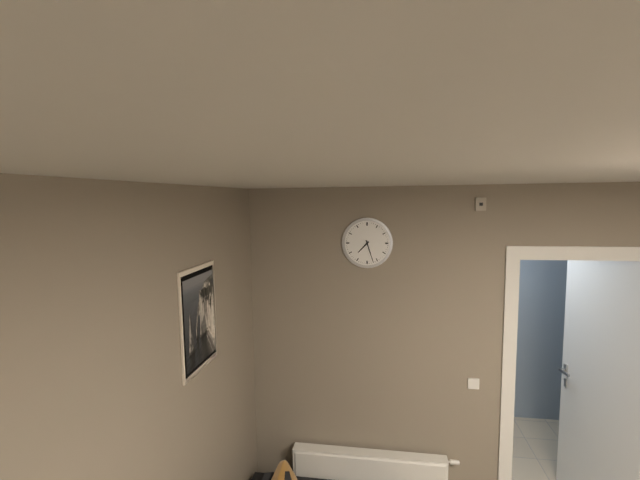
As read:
**7:27**
